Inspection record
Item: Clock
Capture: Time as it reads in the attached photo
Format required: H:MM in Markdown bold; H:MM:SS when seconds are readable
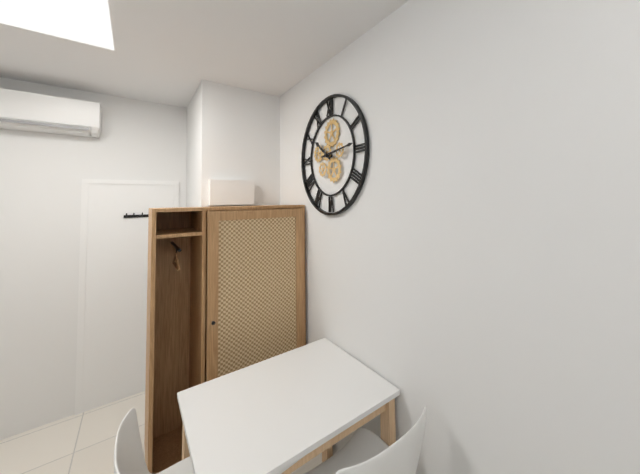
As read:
**10:14**
